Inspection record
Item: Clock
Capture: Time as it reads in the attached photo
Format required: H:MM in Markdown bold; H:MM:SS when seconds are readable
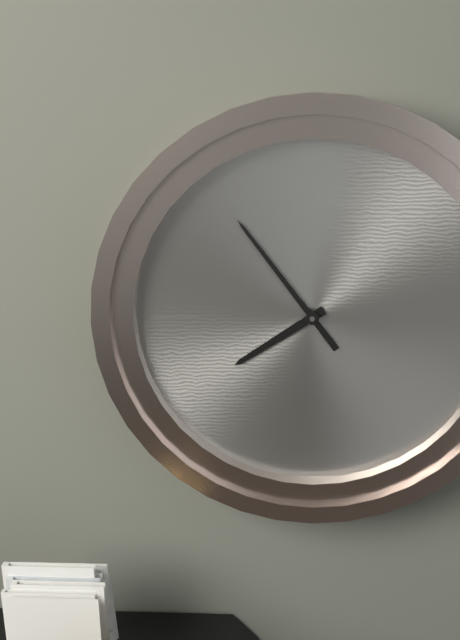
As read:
**7:54**
